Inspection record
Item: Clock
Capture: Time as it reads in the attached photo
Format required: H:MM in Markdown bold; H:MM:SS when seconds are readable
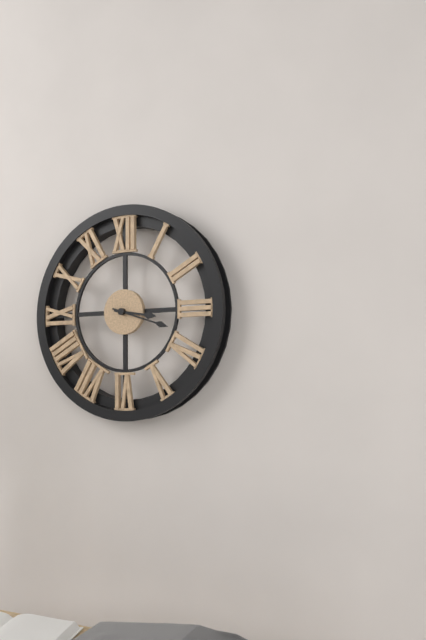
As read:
**3:18**
